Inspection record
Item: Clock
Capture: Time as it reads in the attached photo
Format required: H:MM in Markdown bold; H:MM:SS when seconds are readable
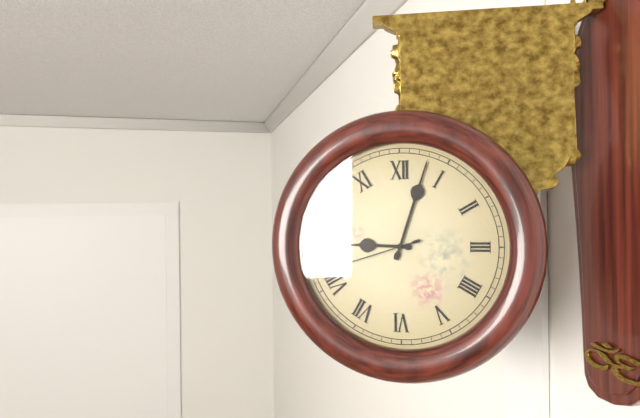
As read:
**9:03:42**
